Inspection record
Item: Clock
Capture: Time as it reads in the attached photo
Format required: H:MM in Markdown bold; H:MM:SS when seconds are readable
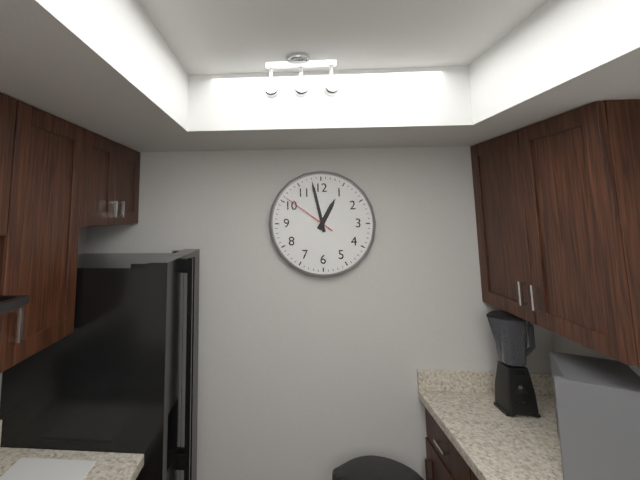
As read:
**12:58:51**
